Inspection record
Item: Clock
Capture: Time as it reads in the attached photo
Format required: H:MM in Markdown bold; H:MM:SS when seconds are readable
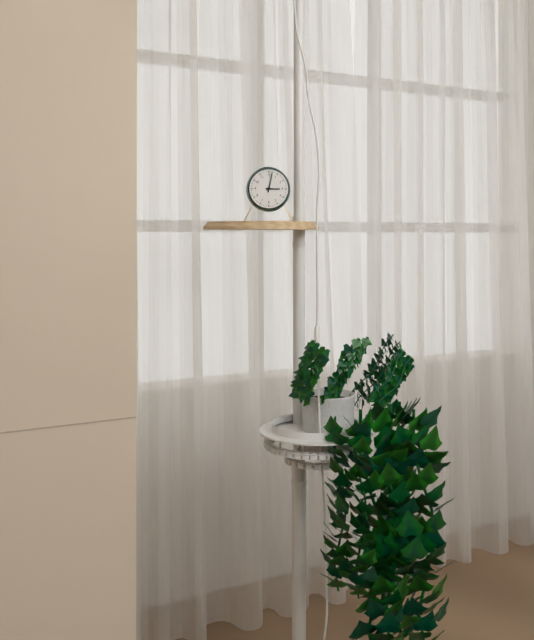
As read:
**3:02**
